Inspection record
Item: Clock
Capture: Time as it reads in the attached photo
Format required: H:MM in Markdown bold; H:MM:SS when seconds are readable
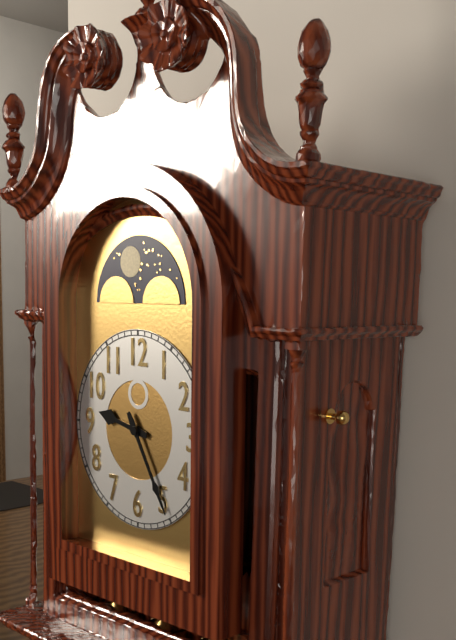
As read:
**9:25**
